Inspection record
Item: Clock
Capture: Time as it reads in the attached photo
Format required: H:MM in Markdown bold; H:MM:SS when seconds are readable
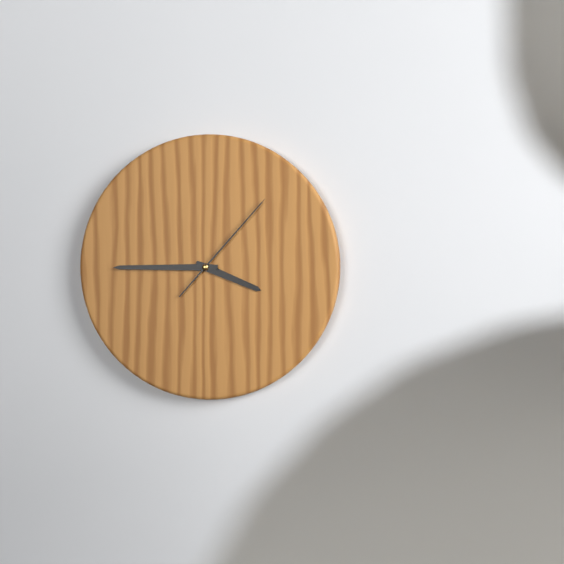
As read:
**3:45:07**
